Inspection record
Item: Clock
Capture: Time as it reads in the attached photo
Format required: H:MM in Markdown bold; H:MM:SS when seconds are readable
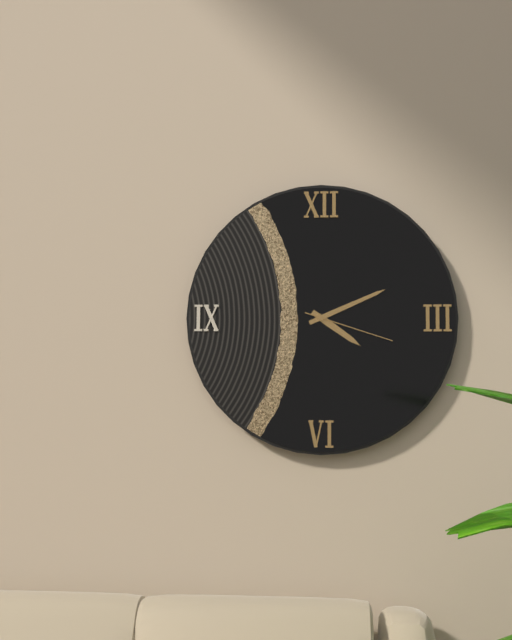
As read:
**4:11:18**
